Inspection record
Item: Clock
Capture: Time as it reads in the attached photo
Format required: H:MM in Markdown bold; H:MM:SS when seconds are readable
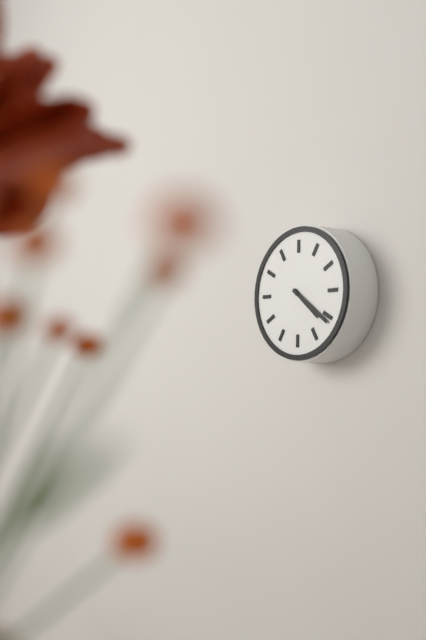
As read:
**4:21**
